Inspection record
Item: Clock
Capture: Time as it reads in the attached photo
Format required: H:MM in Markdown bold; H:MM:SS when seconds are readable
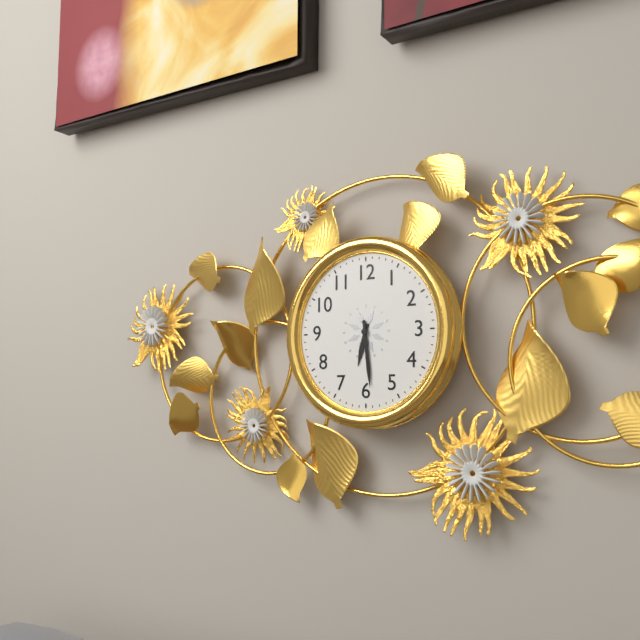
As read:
**6:29**
